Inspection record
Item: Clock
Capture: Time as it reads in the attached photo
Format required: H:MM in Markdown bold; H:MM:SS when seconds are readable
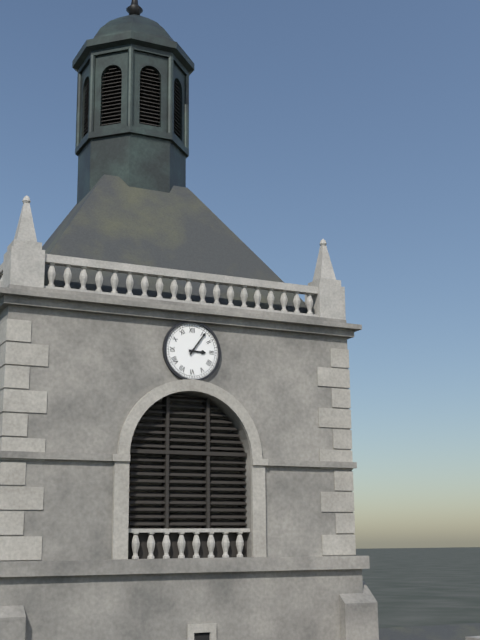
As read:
**3:06**
